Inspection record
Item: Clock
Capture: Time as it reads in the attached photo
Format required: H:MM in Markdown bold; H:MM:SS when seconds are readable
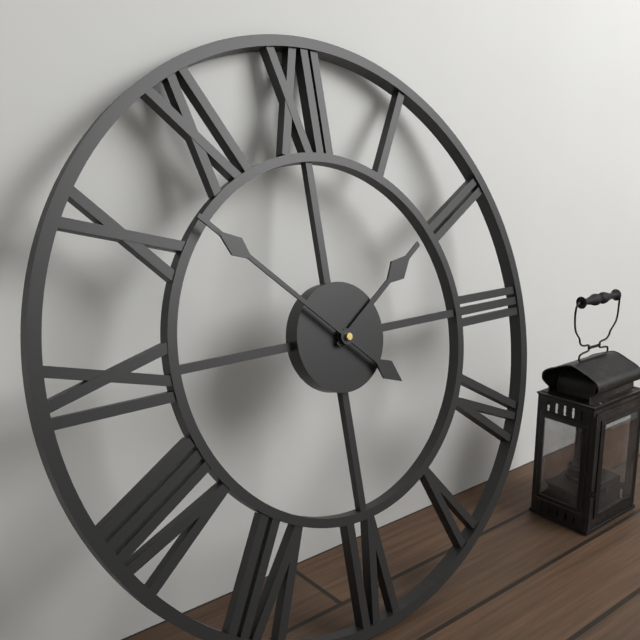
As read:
**1:52**
